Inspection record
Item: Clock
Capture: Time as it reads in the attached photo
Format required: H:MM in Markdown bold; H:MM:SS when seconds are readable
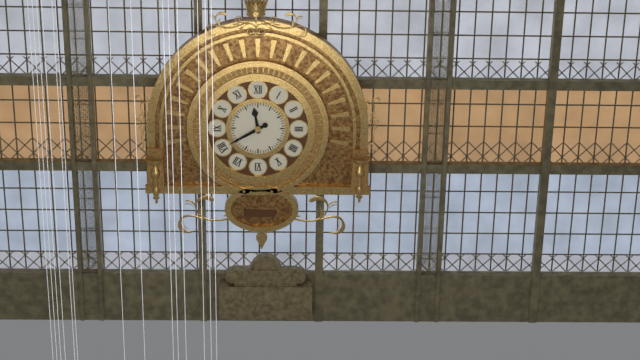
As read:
**11:40**
